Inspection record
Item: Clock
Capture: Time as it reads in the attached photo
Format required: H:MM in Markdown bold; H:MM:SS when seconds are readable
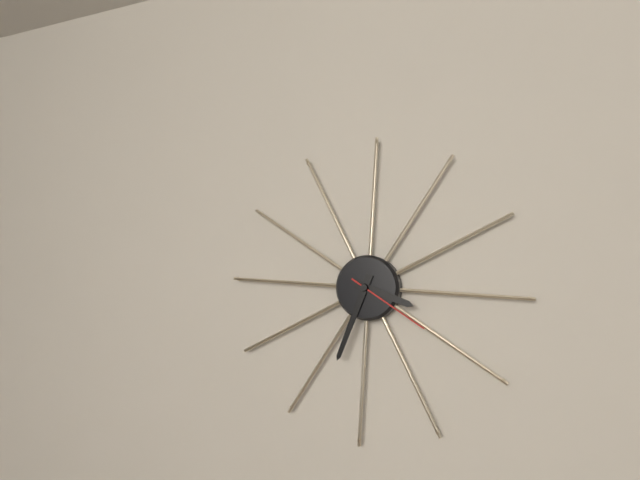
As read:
**3:33:20**
